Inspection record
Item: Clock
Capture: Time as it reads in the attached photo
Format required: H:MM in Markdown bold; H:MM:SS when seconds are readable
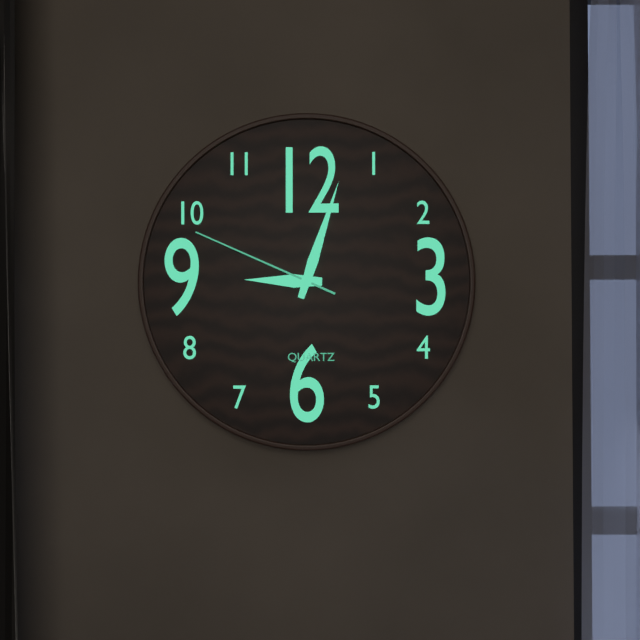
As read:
**9:03:49**
